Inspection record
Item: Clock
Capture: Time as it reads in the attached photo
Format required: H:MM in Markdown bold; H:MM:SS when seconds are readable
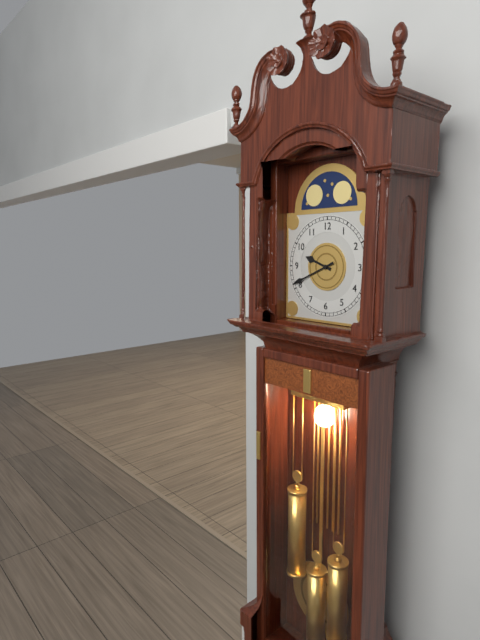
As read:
**9:41**
